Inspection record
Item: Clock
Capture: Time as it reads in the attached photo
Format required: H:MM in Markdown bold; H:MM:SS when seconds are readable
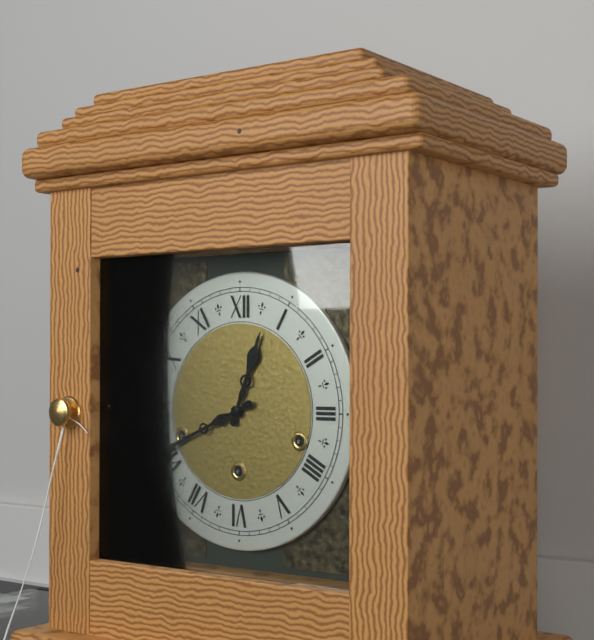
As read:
**12:41**
